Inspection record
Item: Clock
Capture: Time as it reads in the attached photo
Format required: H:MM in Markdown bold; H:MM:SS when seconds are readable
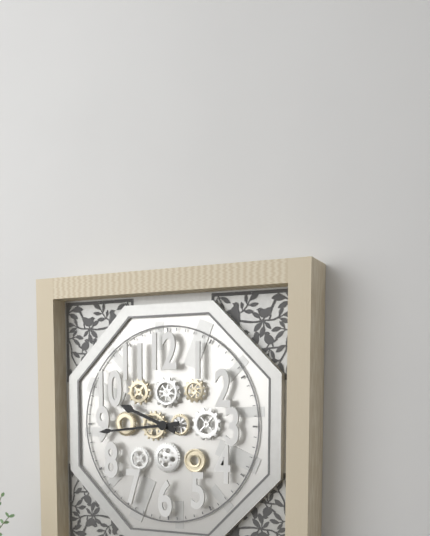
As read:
**9:44**
